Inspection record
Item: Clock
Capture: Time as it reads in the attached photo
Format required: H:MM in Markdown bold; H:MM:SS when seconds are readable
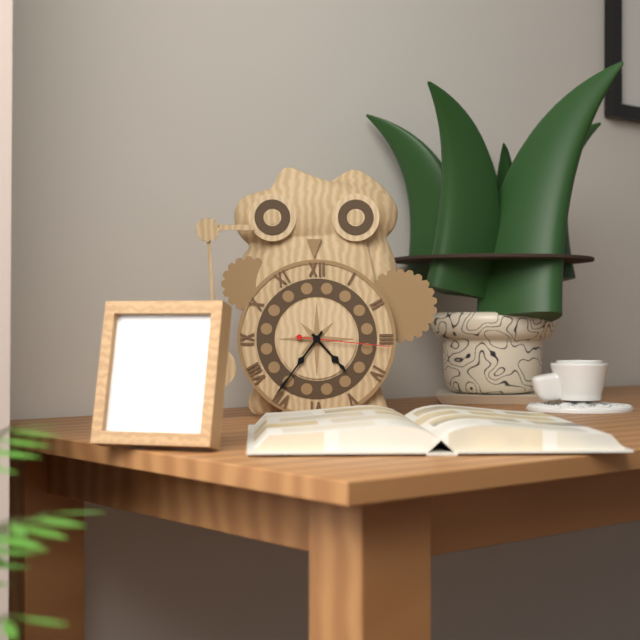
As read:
**4:36:16**
